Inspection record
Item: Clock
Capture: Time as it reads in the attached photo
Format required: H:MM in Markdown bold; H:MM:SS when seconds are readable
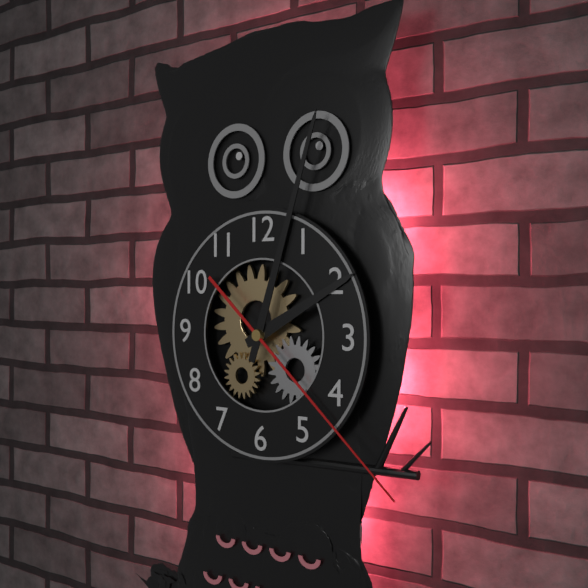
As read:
**2:03:22**
